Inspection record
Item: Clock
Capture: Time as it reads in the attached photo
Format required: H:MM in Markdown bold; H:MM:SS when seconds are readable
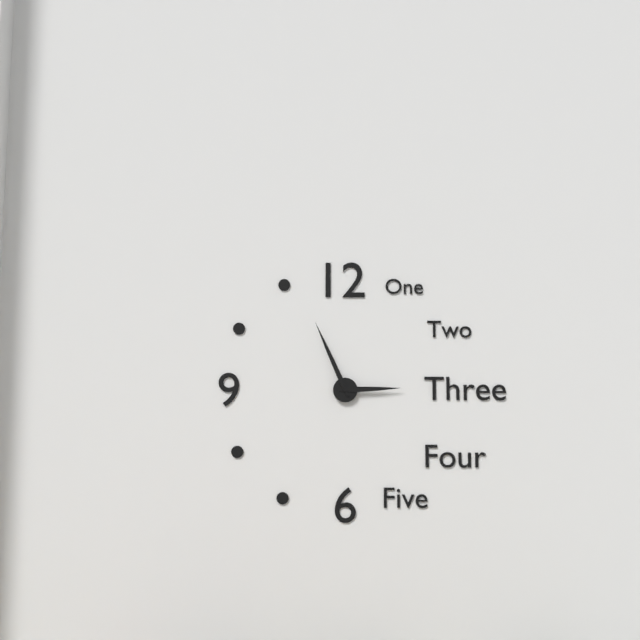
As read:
**2:56**
